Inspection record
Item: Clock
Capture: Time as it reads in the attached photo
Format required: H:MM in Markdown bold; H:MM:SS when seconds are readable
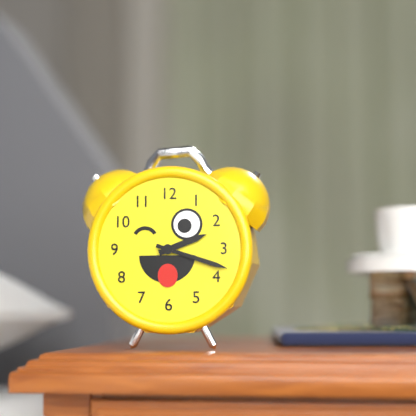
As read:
**2:18**
